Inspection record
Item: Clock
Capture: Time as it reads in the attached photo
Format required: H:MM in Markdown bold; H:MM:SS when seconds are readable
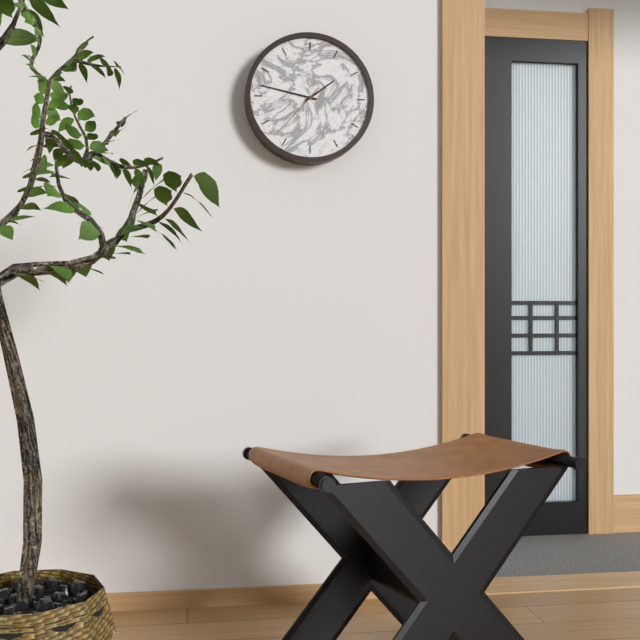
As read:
**1:47:37**
